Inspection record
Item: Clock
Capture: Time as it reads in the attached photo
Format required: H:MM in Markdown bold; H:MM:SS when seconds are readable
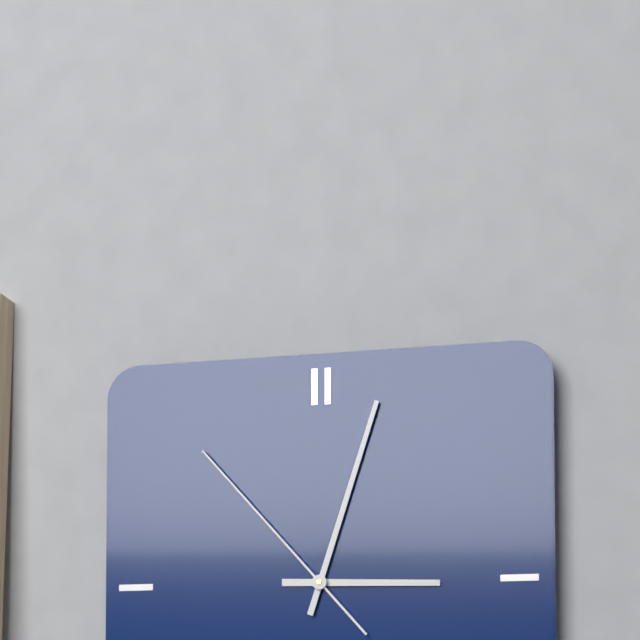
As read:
**3:03:53**
